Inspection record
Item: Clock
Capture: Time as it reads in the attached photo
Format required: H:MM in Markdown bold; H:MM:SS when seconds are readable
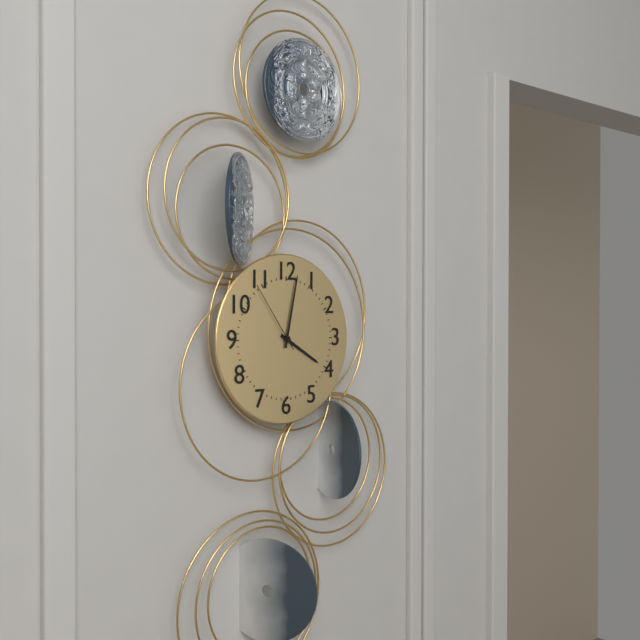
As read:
**4:02:54**
